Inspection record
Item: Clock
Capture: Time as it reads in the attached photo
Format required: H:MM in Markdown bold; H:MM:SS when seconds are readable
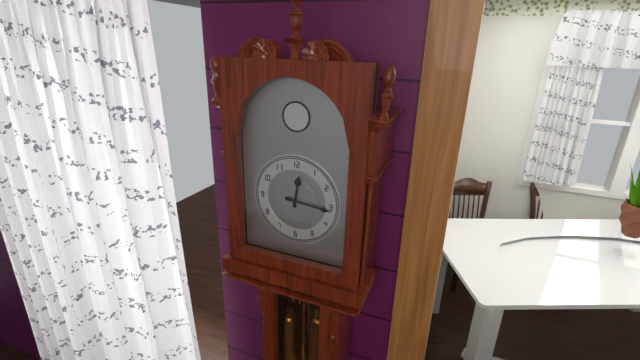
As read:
**12:16**
